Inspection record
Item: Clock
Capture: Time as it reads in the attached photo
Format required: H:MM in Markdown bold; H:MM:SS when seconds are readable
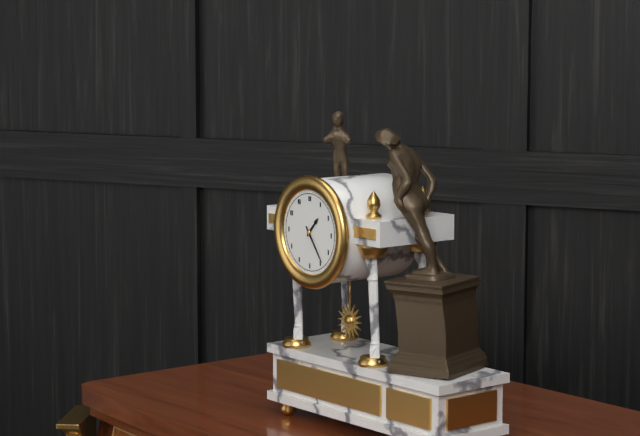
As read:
**1:24**
